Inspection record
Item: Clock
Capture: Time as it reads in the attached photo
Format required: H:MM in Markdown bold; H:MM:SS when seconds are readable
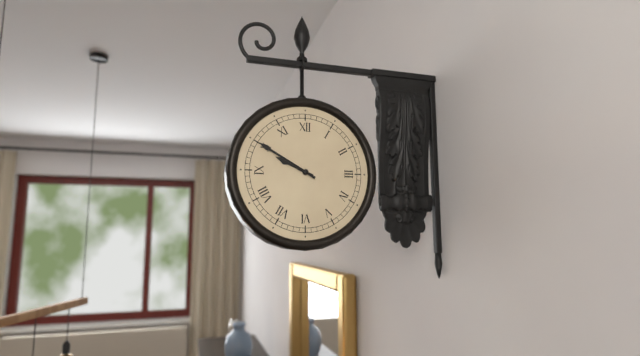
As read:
**9:50**
